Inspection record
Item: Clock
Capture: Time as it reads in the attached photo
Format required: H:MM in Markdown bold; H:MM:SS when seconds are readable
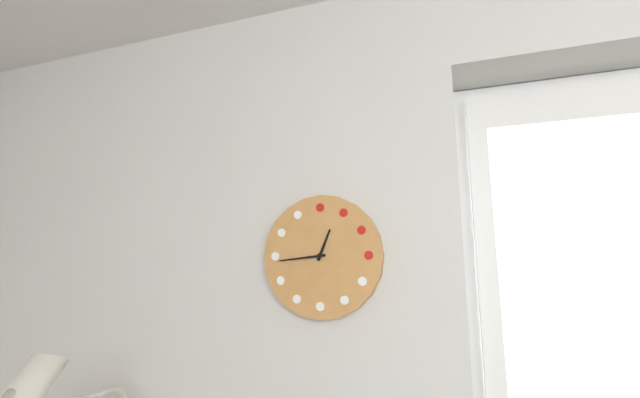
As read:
**12:44**
